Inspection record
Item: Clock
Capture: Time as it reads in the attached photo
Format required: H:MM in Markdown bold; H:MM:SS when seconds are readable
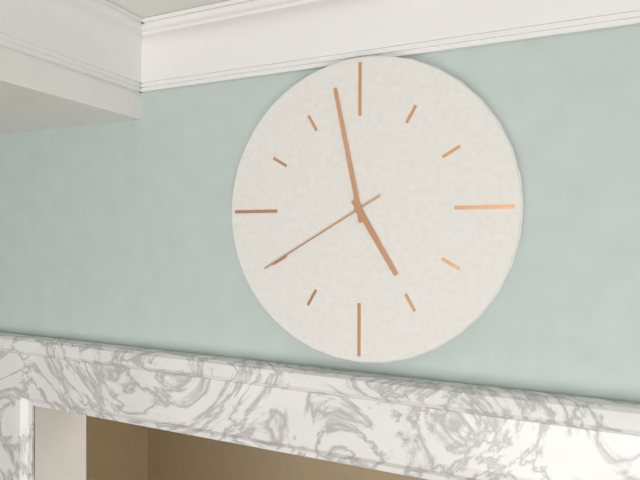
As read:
**4:58:40**
